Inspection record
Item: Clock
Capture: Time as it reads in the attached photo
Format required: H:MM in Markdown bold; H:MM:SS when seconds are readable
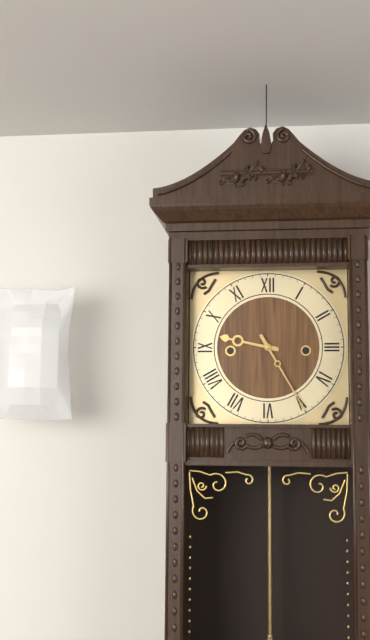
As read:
**9:25**
